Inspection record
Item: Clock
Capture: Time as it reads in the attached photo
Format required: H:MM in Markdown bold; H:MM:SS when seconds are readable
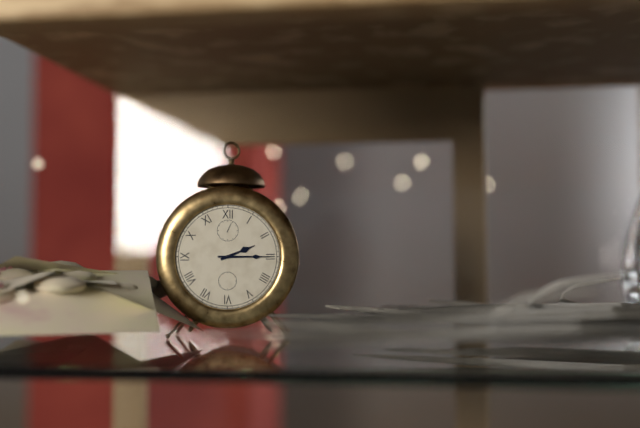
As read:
**2:15**
